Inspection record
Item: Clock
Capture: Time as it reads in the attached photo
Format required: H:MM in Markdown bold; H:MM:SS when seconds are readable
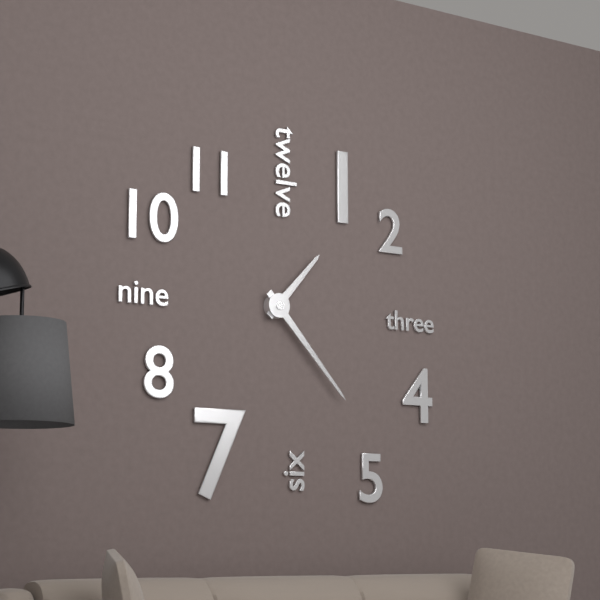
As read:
**1:23**
